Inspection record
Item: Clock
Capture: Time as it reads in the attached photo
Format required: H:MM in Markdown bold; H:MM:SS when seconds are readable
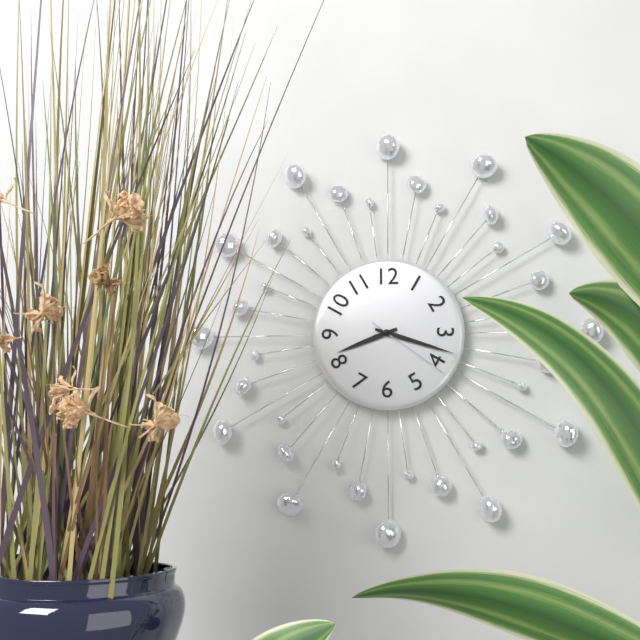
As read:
**8:18:21**
